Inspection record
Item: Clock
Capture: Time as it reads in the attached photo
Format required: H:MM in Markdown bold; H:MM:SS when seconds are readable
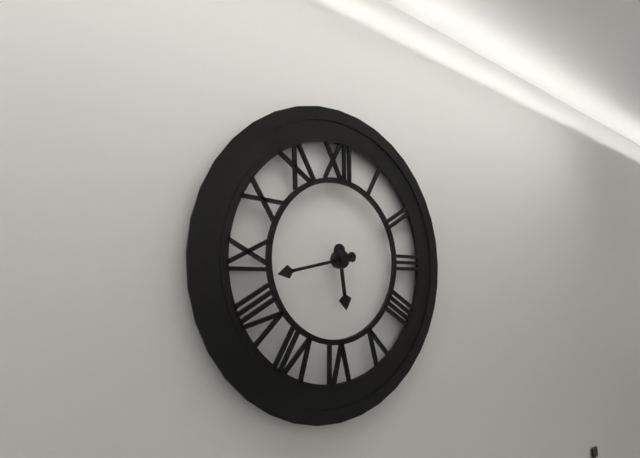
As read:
**5:43**
